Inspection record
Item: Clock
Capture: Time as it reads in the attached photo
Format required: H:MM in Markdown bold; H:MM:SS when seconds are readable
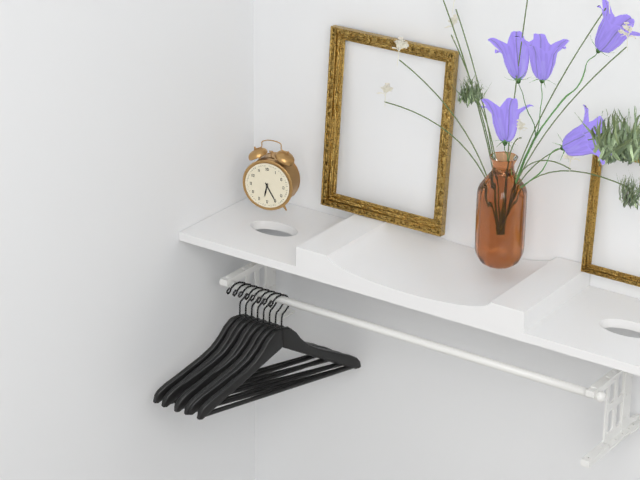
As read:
**6:25**
